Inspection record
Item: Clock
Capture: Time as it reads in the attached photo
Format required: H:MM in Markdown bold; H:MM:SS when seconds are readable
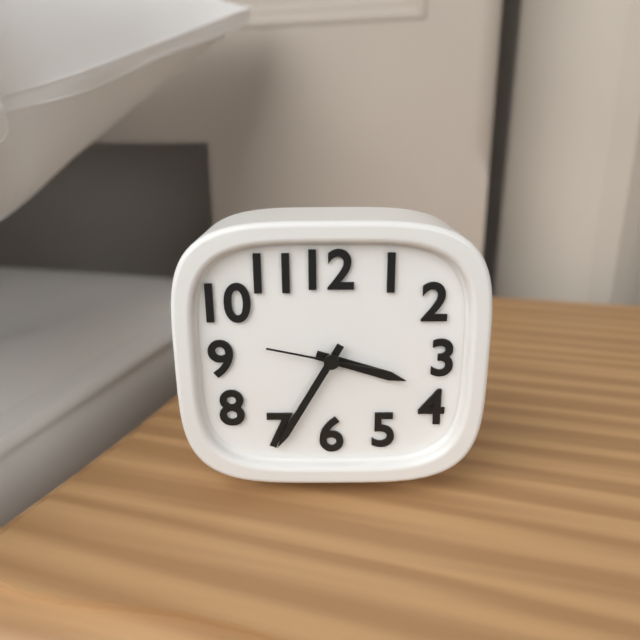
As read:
**3:35:47**
